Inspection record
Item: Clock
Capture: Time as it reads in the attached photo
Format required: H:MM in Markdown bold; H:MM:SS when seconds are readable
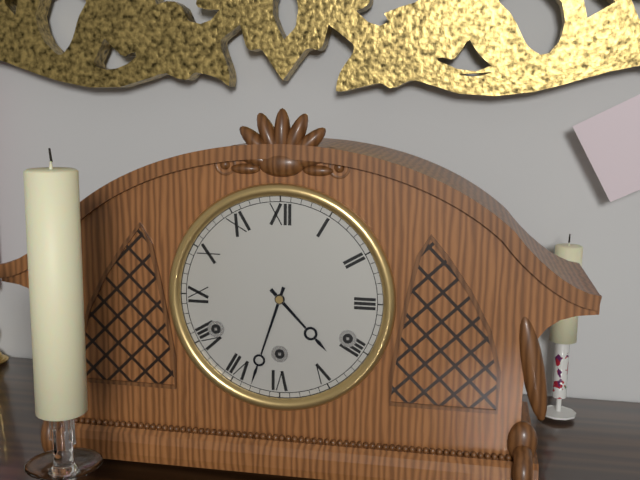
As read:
**4:33**
